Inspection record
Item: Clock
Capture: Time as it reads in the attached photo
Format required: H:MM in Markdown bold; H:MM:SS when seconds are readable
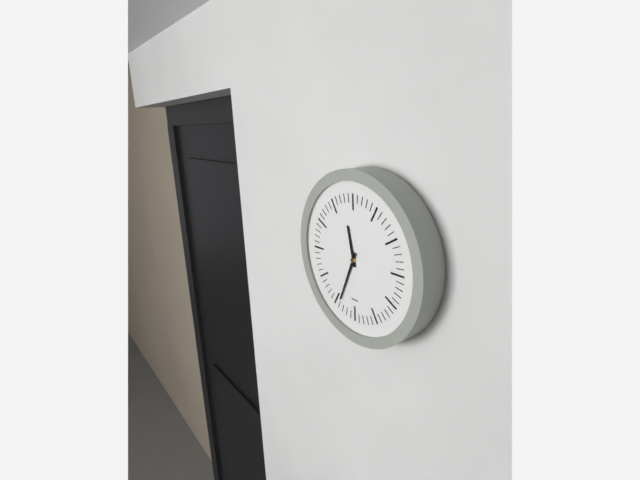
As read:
**11:34**
